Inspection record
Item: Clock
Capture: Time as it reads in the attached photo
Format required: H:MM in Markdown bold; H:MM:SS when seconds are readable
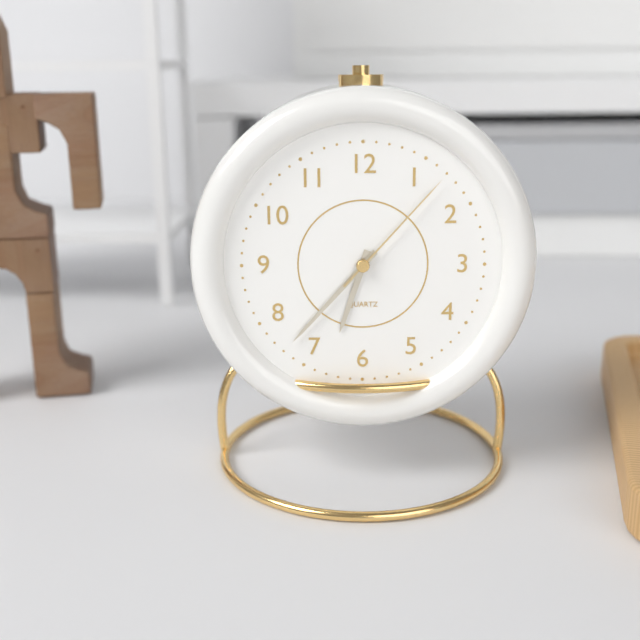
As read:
**6:37:07**
